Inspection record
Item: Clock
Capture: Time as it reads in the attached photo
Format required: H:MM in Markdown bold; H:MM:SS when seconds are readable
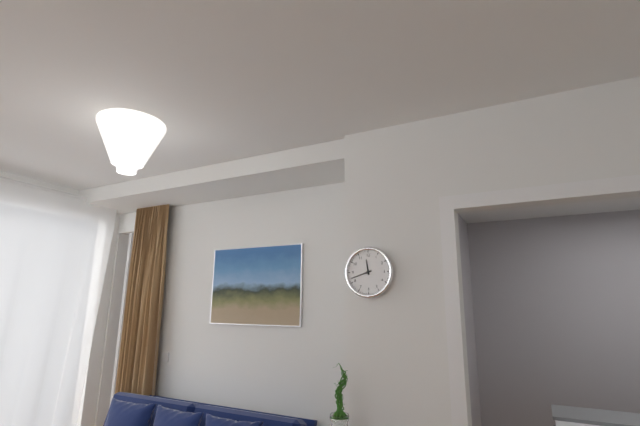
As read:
**11:42**
